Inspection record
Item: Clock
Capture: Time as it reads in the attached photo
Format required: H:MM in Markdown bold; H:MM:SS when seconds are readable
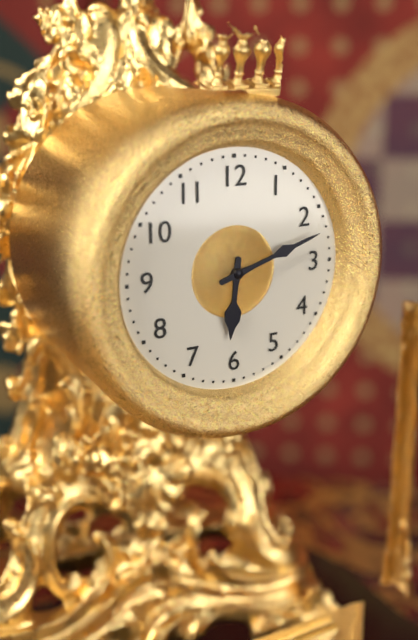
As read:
**6:12**
